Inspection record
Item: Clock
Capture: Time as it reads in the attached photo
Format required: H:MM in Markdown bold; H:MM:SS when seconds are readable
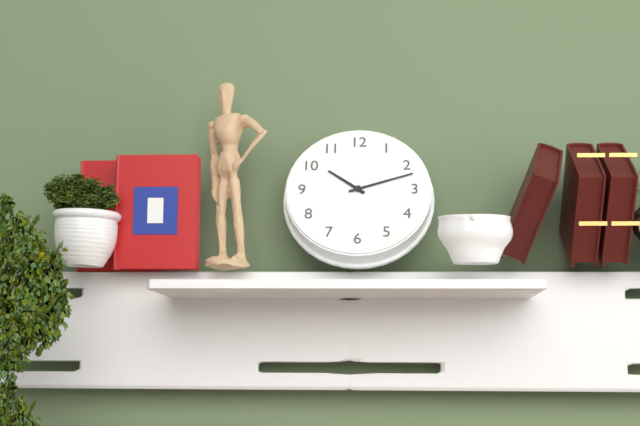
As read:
**10:12**
